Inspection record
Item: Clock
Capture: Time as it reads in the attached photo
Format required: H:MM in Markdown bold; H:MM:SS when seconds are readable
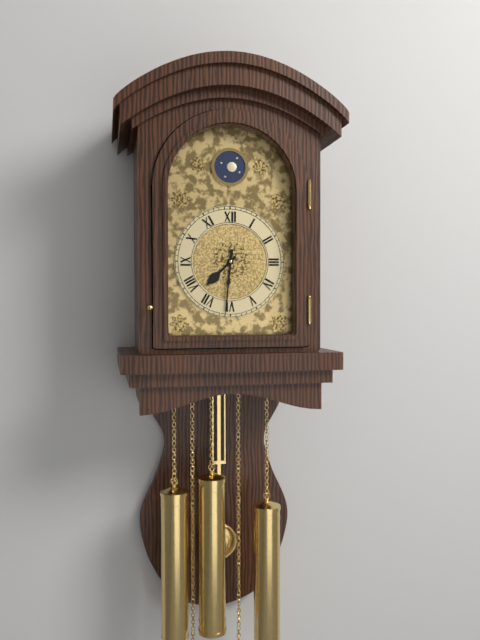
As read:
**7:31**
